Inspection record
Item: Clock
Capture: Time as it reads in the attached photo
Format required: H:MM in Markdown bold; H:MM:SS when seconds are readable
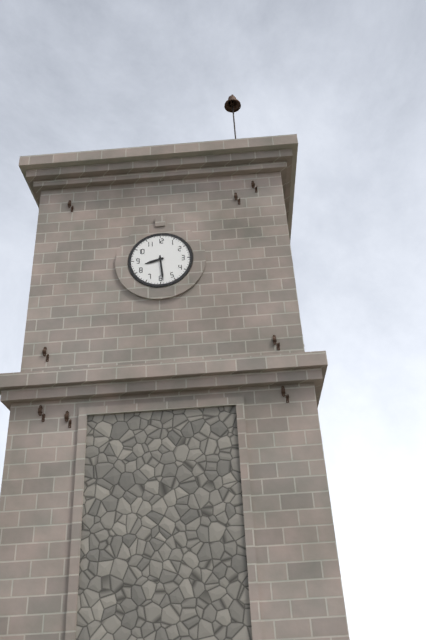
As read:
**8:29**
